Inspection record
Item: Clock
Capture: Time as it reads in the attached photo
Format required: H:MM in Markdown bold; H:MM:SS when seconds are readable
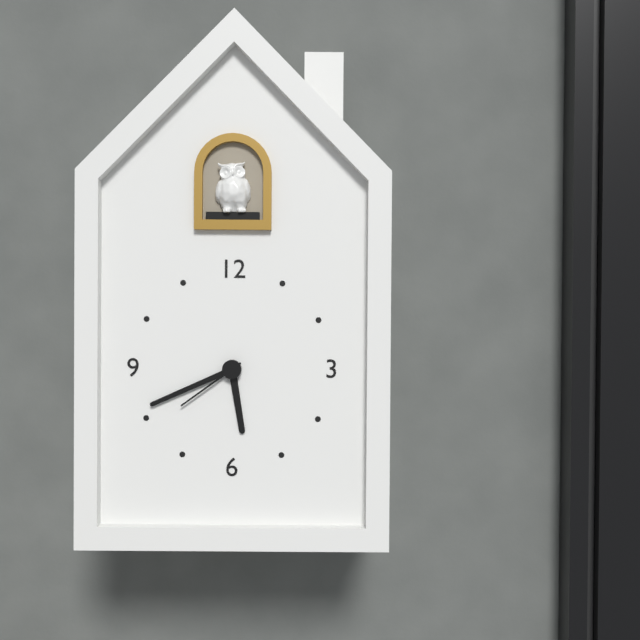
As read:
**5:41:39**
